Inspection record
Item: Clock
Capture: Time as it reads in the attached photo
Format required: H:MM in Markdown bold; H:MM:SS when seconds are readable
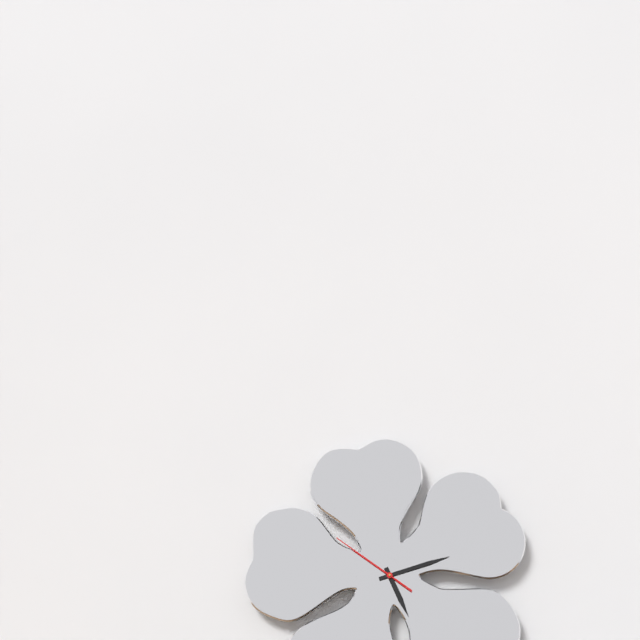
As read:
**5:12:51**
